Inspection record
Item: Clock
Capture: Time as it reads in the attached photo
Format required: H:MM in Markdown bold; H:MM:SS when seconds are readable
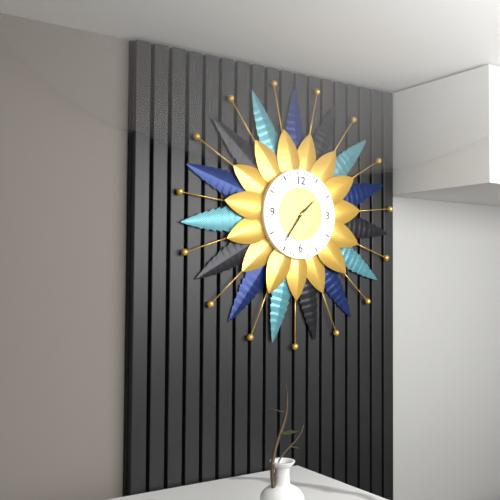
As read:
**1:36**
